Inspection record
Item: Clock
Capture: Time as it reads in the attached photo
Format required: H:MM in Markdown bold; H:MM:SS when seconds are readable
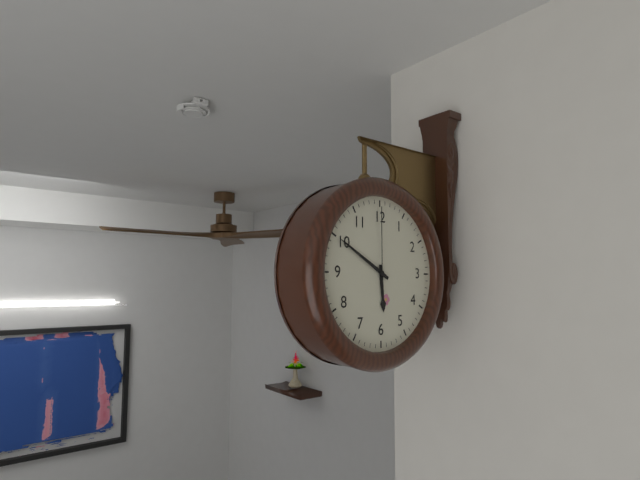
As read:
**5:50:00**
